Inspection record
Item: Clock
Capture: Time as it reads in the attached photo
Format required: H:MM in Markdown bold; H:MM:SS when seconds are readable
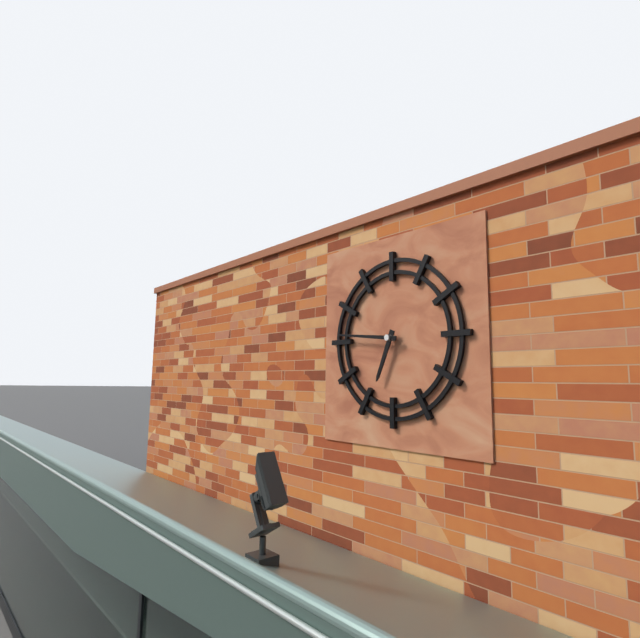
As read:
**6:46**
